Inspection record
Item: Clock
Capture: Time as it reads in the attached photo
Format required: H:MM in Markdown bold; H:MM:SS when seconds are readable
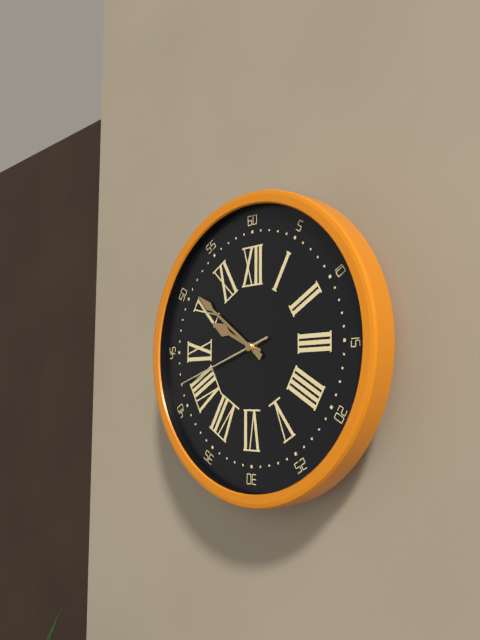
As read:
**9:51:42**
